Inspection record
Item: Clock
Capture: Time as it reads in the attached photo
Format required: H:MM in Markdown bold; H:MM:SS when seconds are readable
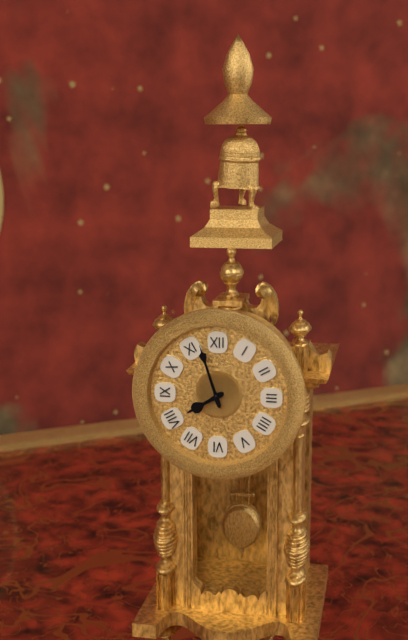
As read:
**7:57**
